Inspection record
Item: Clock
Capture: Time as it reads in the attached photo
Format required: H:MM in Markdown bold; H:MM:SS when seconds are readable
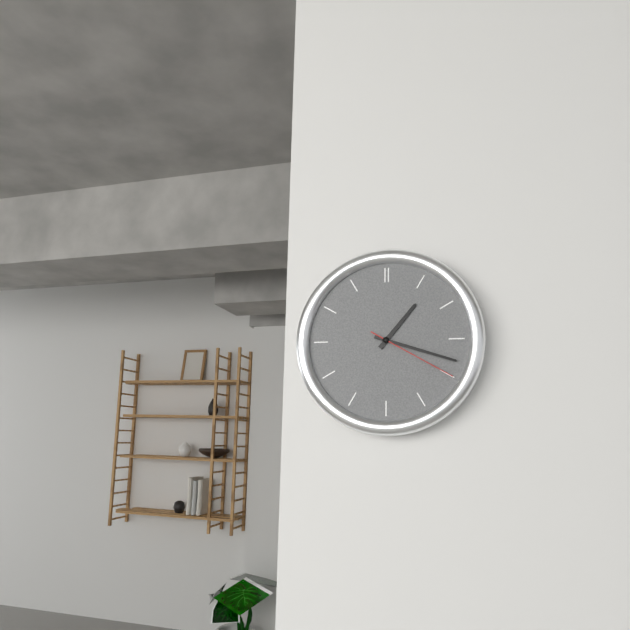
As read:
**1:18:20**
